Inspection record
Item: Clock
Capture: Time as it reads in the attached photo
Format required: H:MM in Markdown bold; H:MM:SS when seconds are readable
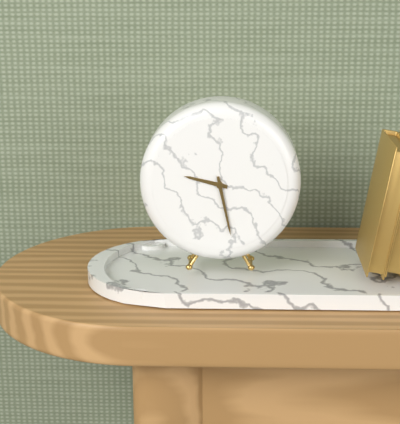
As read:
**9:28**
